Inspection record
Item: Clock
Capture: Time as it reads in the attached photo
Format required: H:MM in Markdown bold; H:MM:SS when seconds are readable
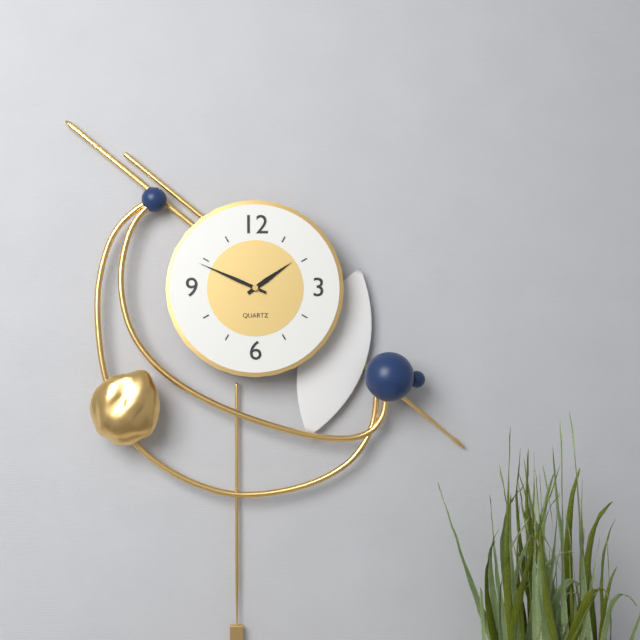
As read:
**1:49**
